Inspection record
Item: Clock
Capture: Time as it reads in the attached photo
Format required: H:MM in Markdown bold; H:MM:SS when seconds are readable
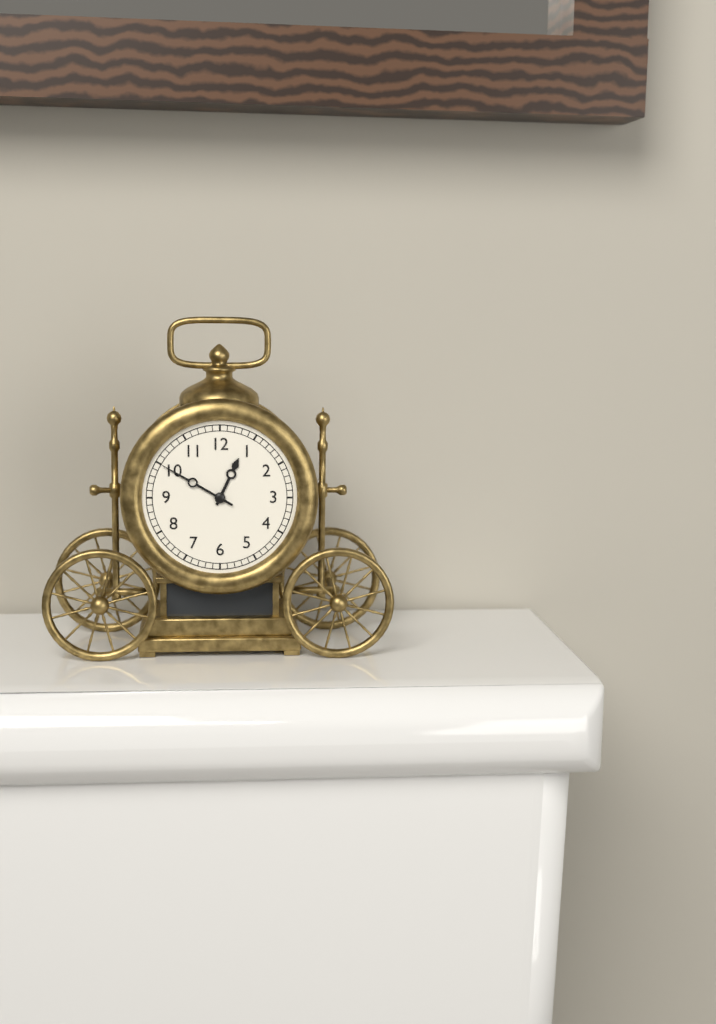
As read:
**12:50**
